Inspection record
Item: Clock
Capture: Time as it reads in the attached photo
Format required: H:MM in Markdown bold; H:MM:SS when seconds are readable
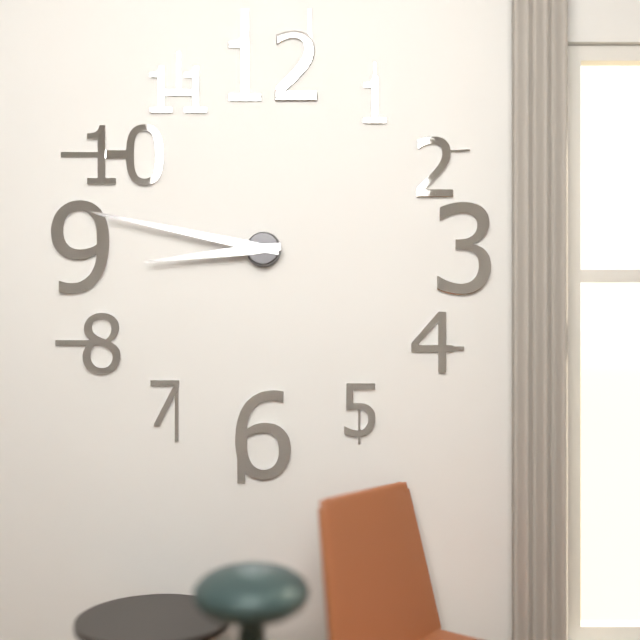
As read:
**8:47**
